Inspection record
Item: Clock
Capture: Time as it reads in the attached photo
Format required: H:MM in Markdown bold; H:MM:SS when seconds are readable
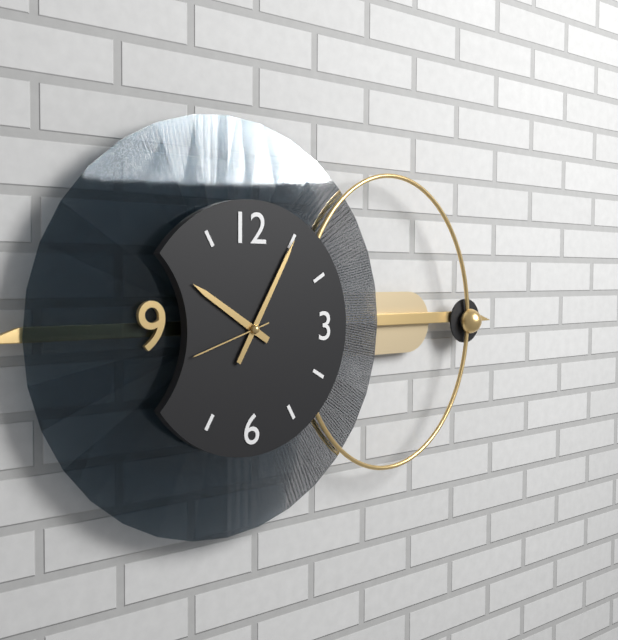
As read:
**10:05:42**
